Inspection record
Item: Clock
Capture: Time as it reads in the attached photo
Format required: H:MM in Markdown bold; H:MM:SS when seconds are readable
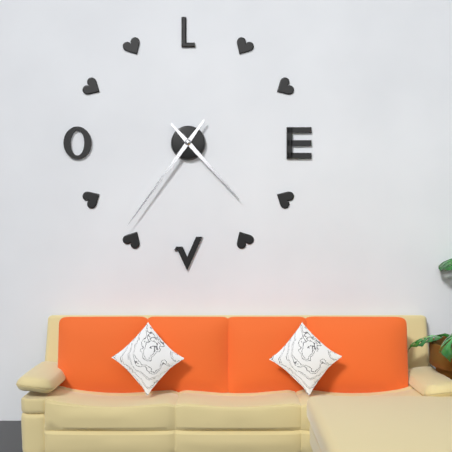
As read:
**4:36**
